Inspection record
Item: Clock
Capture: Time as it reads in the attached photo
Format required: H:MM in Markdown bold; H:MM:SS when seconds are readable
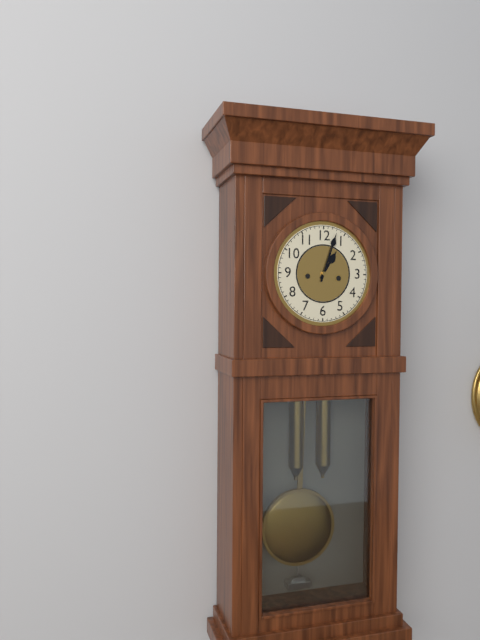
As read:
**1:03**
